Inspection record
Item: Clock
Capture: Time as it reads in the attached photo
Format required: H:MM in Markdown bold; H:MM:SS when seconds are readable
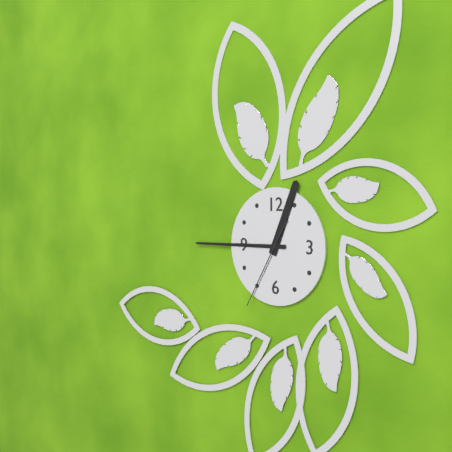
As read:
**12:45:35**
